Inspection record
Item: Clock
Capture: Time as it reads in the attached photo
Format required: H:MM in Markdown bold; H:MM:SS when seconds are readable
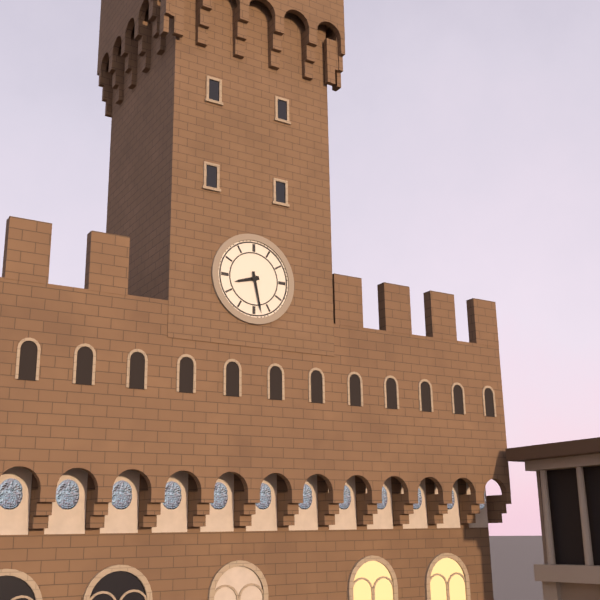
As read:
**8:28**
